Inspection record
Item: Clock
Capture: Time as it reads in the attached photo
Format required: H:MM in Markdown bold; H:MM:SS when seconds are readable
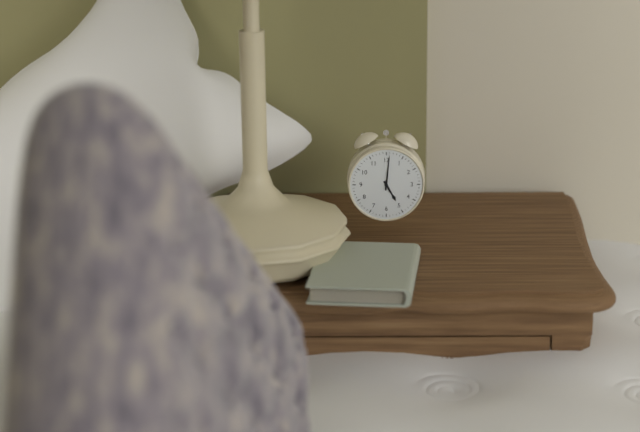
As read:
**5:01**
